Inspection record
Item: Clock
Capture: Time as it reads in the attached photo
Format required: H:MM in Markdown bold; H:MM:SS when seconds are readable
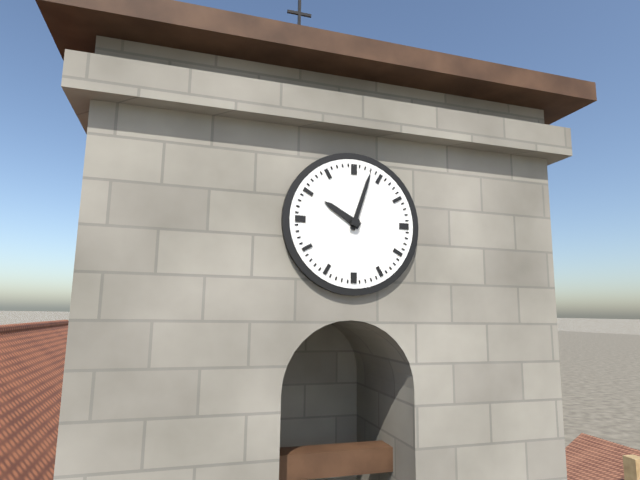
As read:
**10:03**
